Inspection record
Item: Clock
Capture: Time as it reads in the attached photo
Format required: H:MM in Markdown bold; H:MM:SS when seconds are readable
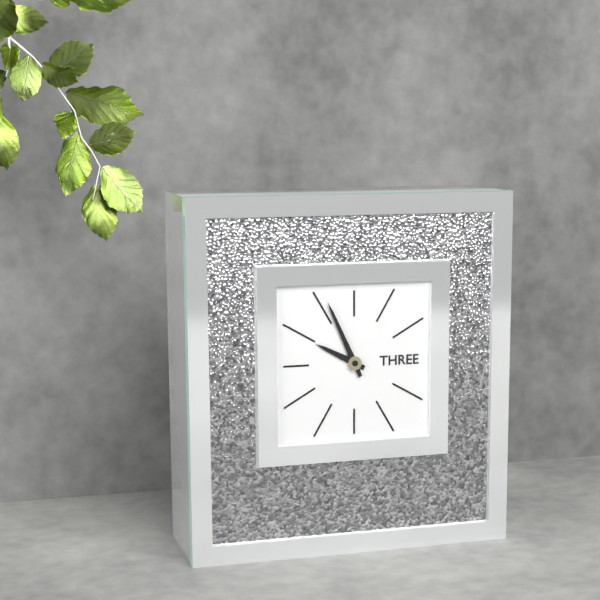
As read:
**9:56**
